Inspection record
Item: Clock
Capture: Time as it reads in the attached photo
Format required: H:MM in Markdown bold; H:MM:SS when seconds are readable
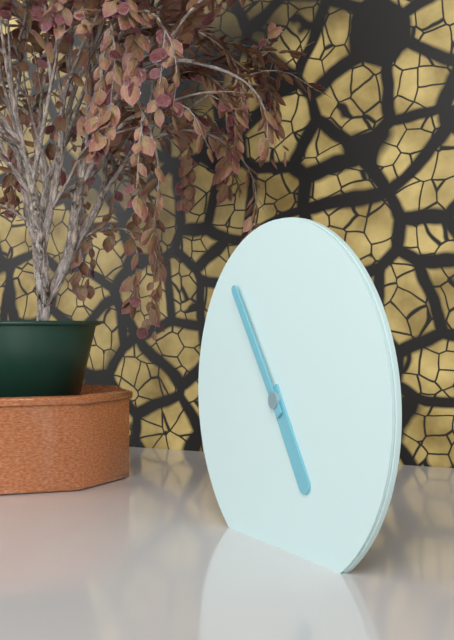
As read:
**4:54**
